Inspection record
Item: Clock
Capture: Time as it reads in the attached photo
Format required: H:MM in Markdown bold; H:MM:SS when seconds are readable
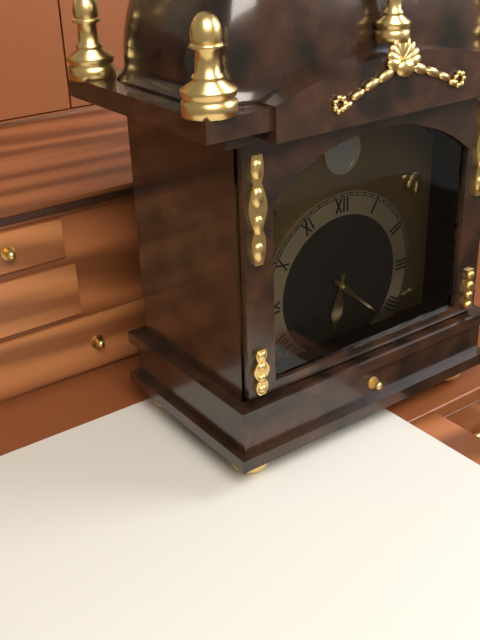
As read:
**6:22**
